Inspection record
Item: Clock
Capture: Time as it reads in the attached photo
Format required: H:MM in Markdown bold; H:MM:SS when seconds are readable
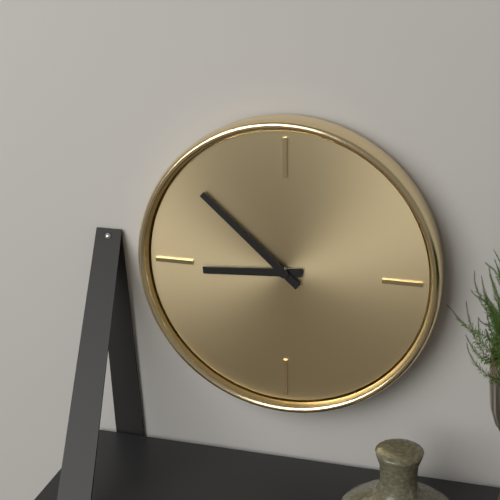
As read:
**8:52**
